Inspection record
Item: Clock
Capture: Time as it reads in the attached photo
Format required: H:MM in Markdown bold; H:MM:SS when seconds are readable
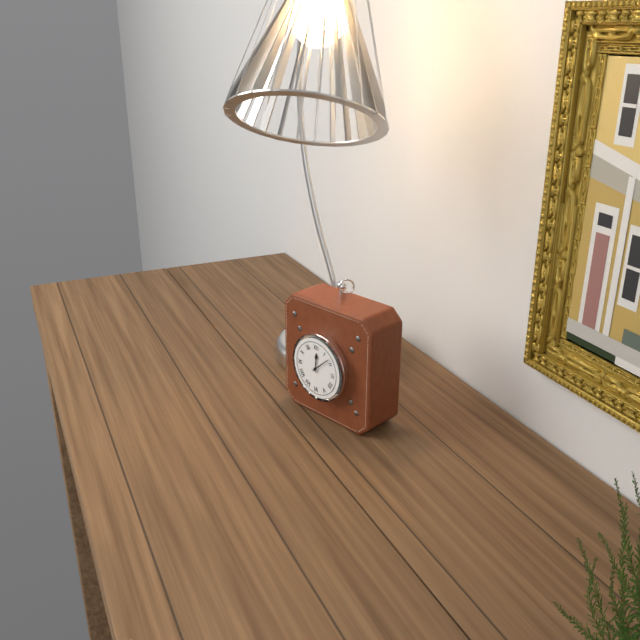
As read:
**12:08**
